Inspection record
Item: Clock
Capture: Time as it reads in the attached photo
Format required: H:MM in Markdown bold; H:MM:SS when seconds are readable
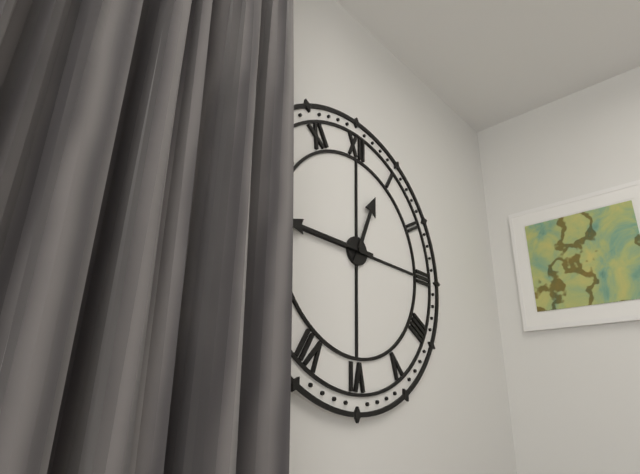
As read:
**12:45**
